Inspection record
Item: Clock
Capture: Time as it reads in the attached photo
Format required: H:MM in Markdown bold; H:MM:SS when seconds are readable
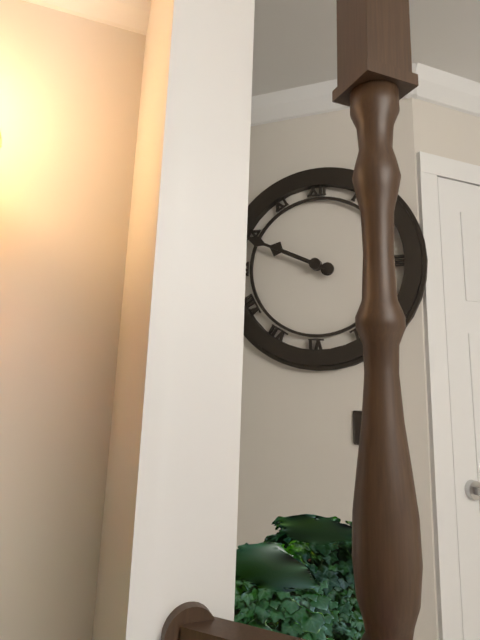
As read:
**9:49**
